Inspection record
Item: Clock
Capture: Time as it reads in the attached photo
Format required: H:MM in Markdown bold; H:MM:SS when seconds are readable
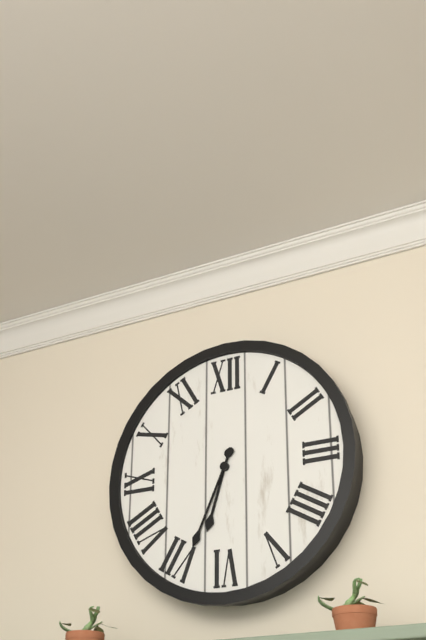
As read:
**6:34**
